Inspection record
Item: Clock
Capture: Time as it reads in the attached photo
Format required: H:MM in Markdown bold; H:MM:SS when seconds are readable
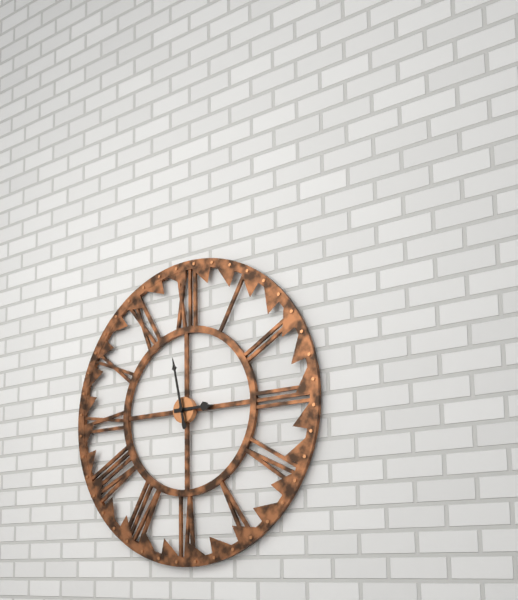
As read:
**2:58**
